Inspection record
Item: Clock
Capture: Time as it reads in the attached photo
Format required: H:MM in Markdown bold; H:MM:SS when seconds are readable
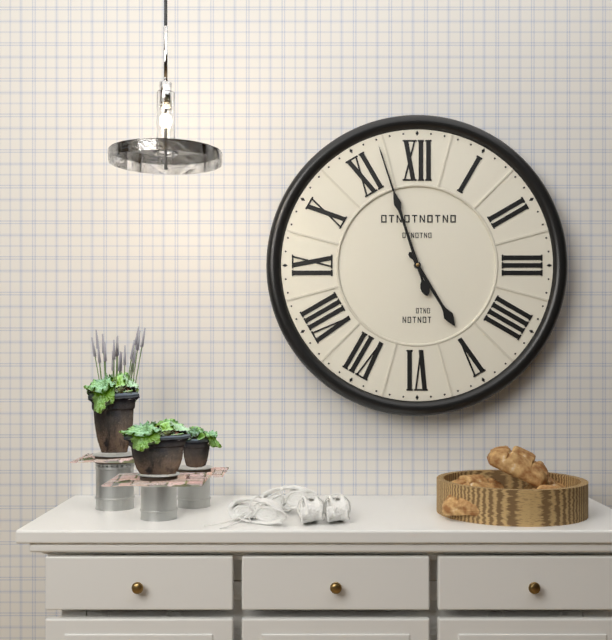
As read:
**4:57**
